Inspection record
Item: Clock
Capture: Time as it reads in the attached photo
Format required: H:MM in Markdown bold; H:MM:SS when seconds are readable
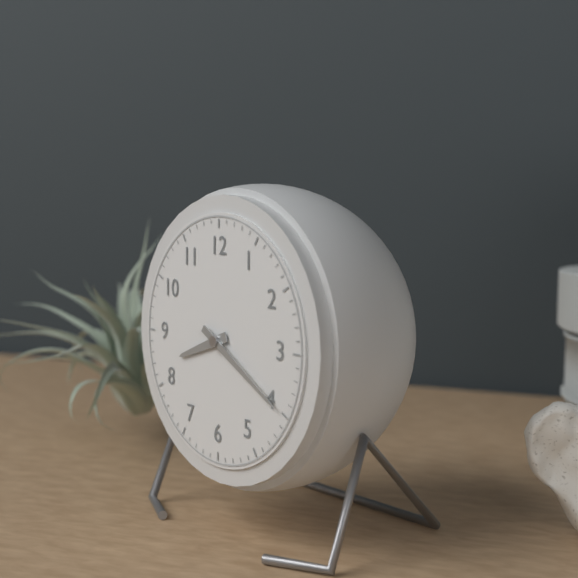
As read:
**8:20**
